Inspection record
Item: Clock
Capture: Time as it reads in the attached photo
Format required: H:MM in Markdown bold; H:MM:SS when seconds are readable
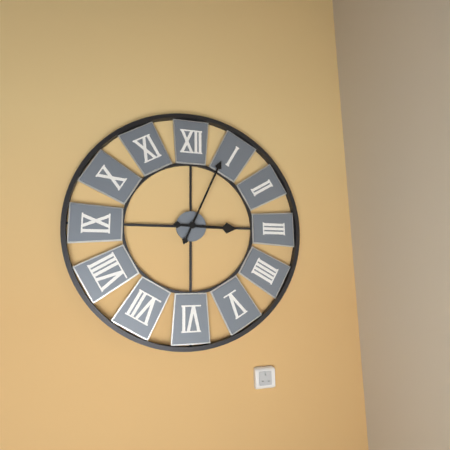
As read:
**3:04**
